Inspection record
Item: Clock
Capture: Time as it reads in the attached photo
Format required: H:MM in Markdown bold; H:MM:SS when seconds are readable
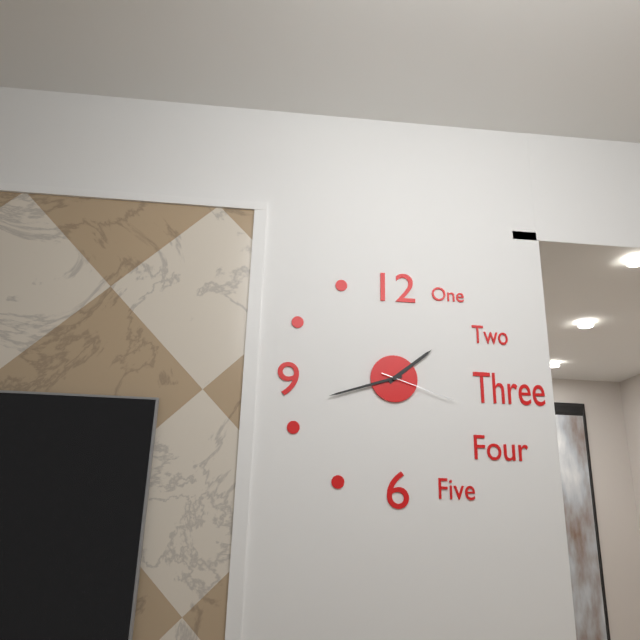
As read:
**1:42:18**
